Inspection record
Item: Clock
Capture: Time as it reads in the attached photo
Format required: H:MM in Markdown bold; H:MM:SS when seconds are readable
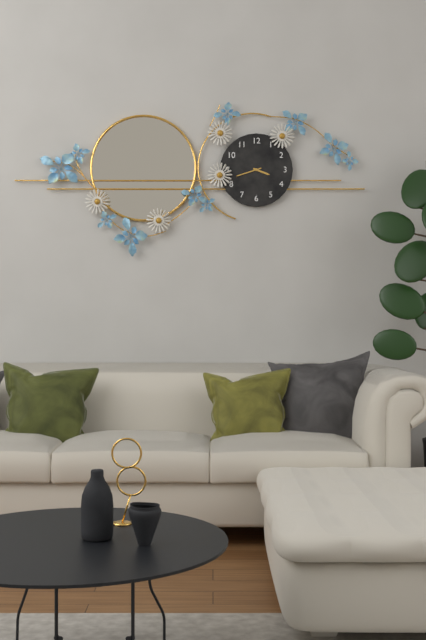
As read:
**3:42**
